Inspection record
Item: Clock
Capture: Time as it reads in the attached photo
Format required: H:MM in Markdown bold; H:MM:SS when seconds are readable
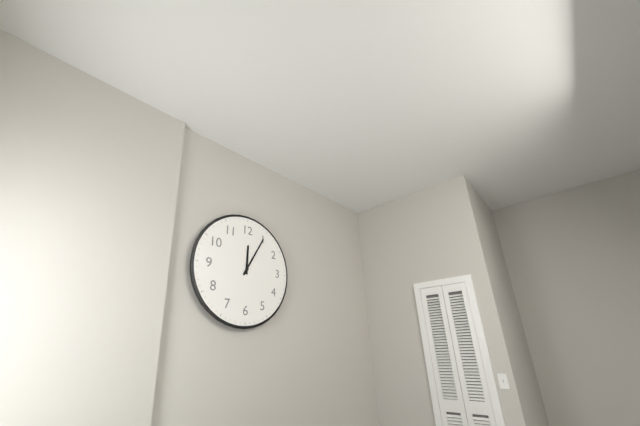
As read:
**12:05**
